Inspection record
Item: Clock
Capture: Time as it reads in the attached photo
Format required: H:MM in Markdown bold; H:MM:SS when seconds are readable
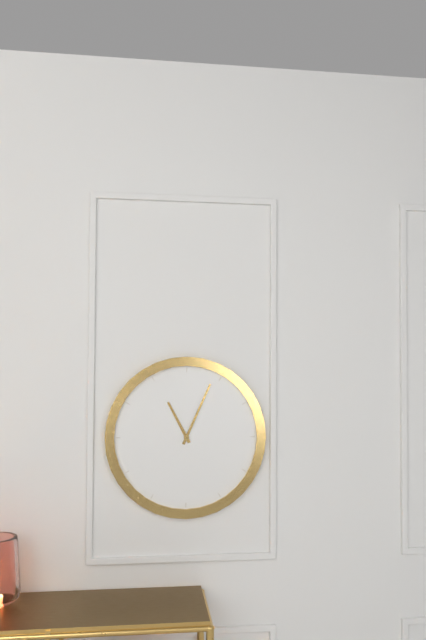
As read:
**11:04**
